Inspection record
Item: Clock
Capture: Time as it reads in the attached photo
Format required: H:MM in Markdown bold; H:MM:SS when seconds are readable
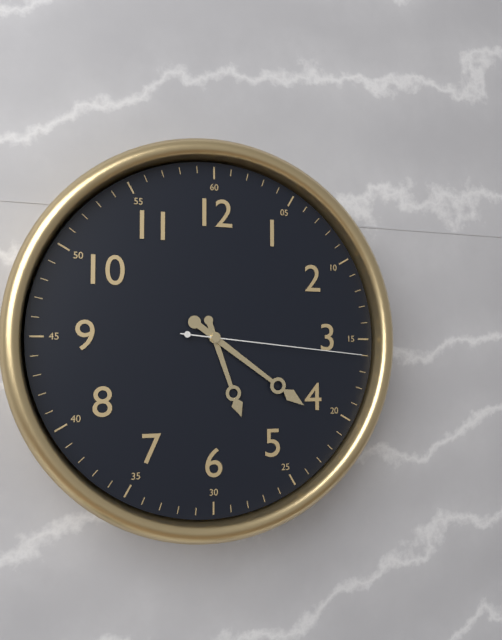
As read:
**5:21:16**
